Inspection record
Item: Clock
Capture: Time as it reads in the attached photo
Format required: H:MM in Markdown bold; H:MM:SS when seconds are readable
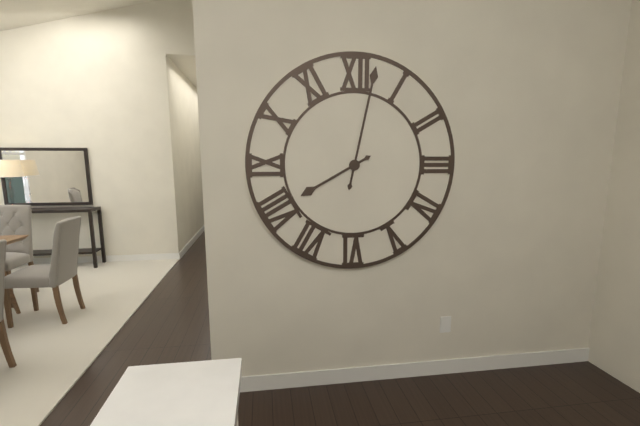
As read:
**8:02**
